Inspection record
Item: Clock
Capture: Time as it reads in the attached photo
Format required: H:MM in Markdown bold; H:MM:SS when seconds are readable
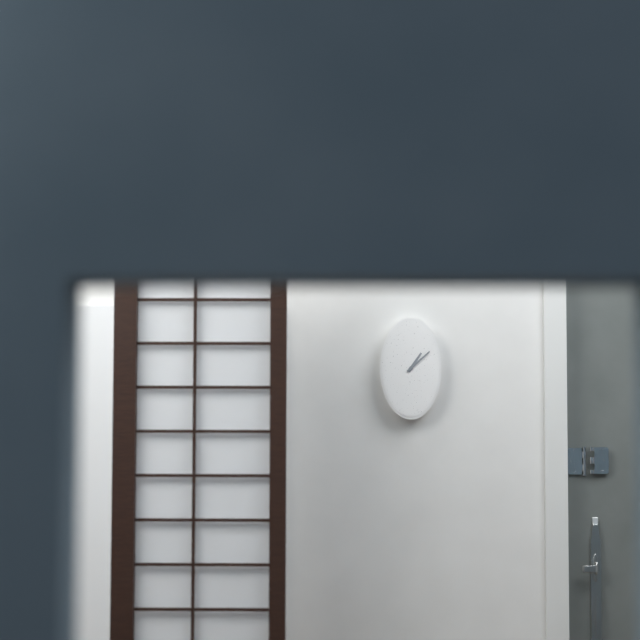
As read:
**1:08**
